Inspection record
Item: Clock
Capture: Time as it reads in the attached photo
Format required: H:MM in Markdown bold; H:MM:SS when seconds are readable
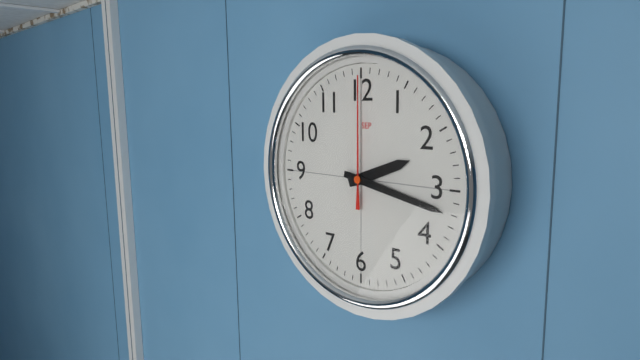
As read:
**2:17:00**
